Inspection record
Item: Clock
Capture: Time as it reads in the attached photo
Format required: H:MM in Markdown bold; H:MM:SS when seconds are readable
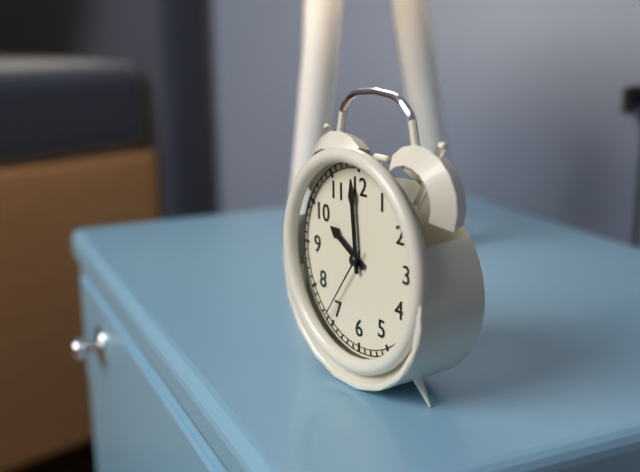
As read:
**9:59:36**
